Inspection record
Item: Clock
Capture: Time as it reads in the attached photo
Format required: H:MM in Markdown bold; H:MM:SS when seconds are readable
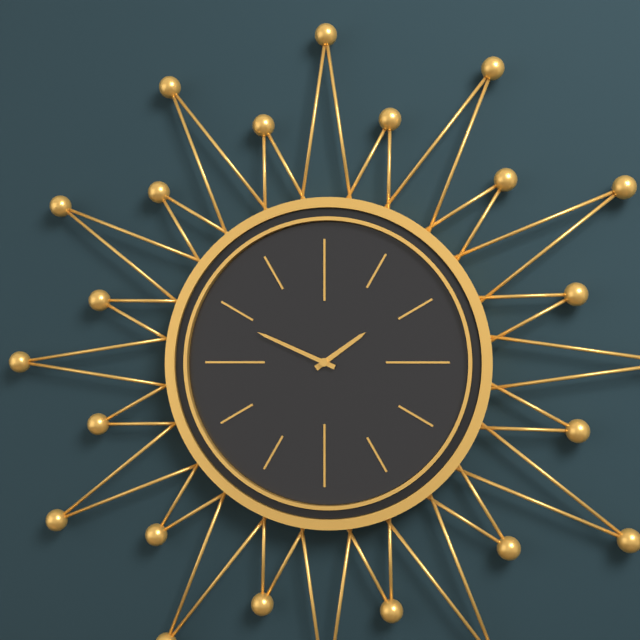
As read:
**1:49**
